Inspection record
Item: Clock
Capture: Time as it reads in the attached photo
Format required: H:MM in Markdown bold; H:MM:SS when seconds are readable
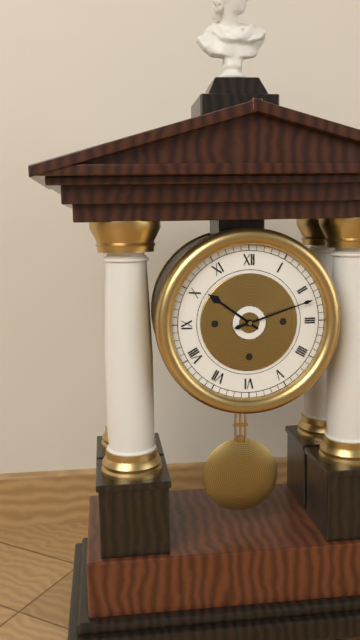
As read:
**10:12**
